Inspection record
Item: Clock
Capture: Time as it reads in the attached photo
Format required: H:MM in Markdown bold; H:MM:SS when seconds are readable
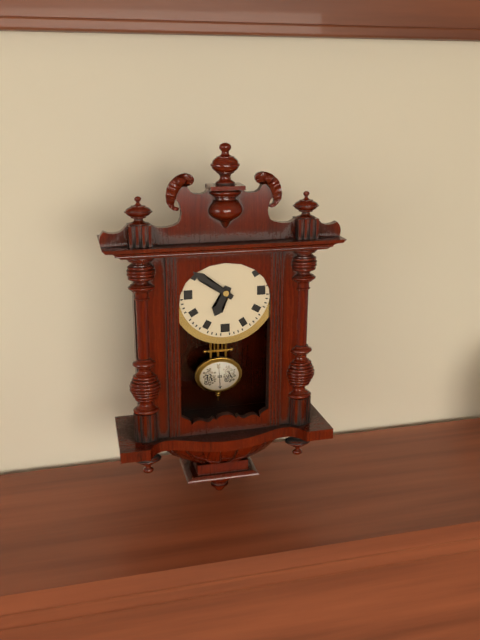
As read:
**6:51**
